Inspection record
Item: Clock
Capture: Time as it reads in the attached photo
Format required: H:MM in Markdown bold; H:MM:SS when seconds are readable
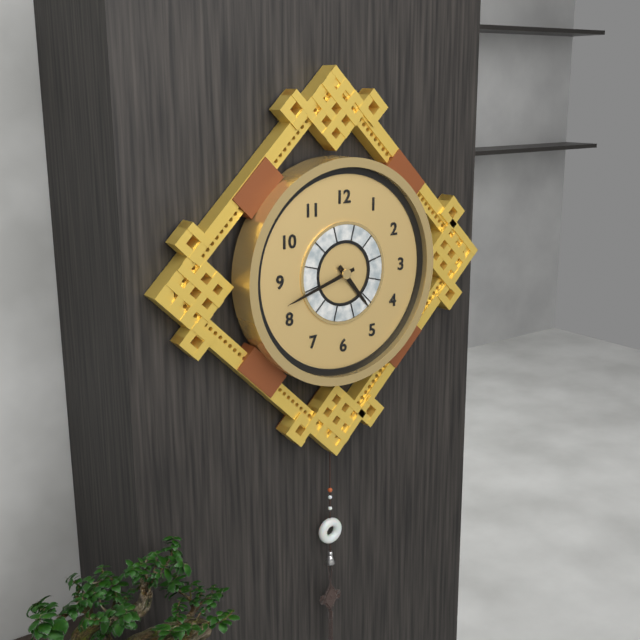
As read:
**4:42**
